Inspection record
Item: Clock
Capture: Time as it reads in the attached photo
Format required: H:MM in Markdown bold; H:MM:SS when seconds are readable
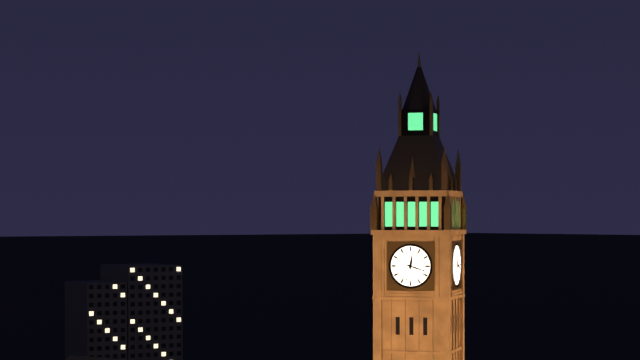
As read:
**12:18**
